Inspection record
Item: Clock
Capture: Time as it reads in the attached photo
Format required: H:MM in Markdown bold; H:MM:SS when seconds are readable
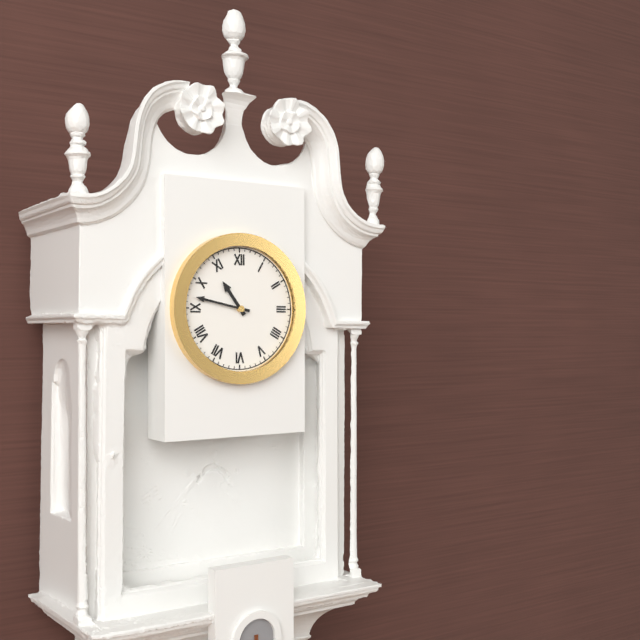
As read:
**10:47**
